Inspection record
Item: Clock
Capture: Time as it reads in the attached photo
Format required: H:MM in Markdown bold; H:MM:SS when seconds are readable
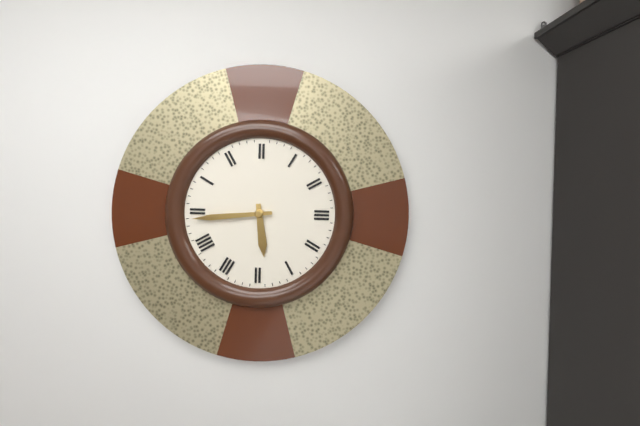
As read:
**5:44**
